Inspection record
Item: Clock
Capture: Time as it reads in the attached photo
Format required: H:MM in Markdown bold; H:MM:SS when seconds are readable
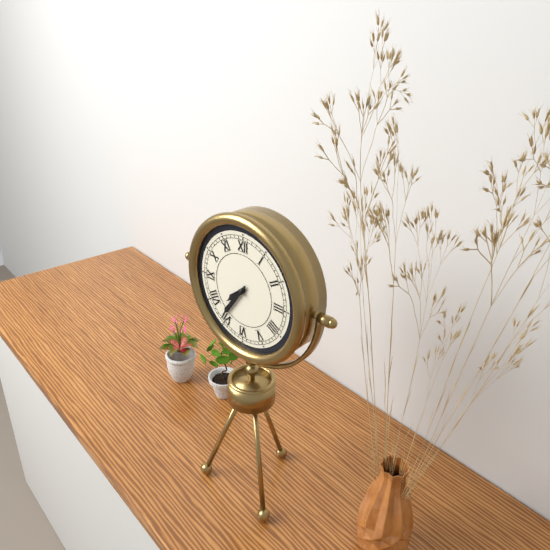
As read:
**7:36**
